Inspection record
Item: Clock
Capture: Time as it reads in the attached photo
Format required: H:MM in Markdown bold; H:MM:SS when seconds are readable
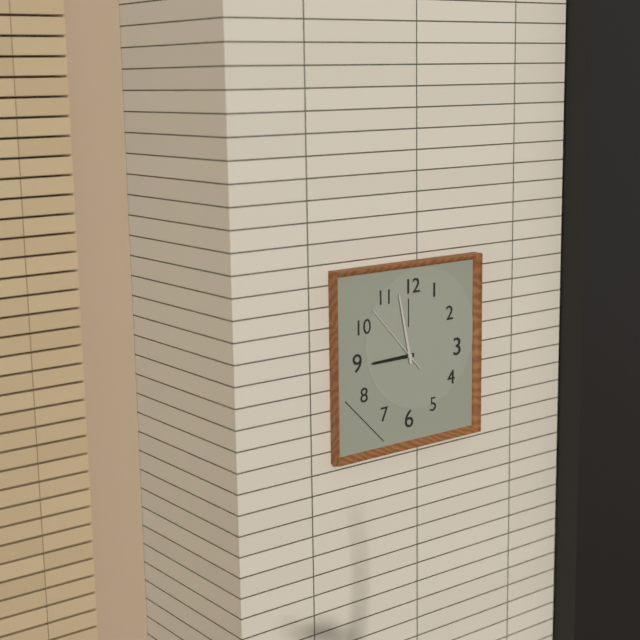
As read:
**8:58:53**
